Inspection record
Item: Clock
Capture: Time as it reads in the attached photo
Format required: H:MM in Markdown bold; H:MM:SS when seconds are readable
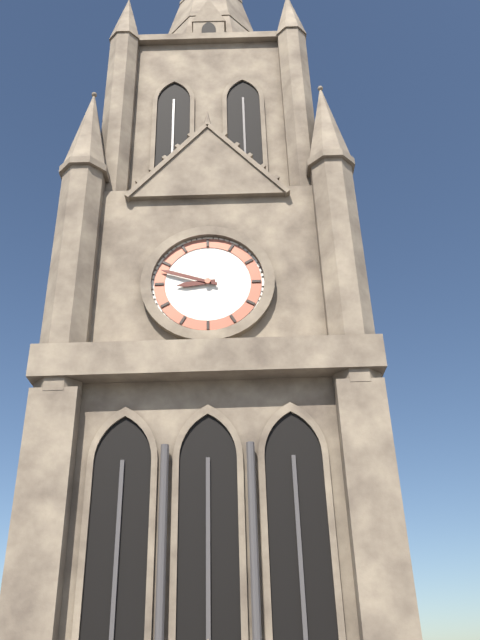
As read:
**8:48**
